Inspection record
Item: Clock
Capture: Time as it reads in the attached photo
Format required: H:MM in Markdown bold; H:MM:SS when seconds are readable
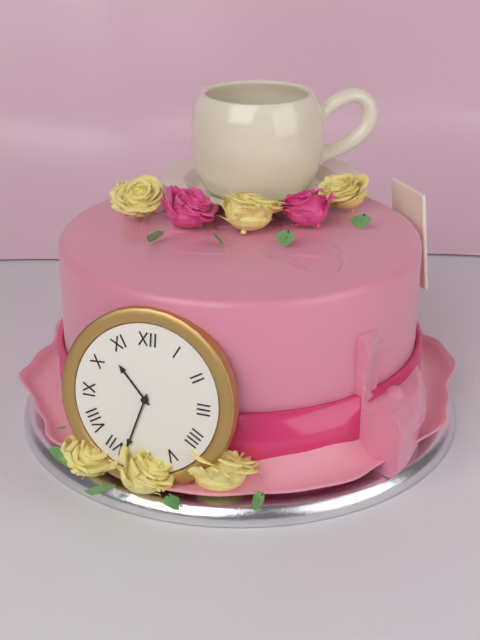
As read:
**10:33**
